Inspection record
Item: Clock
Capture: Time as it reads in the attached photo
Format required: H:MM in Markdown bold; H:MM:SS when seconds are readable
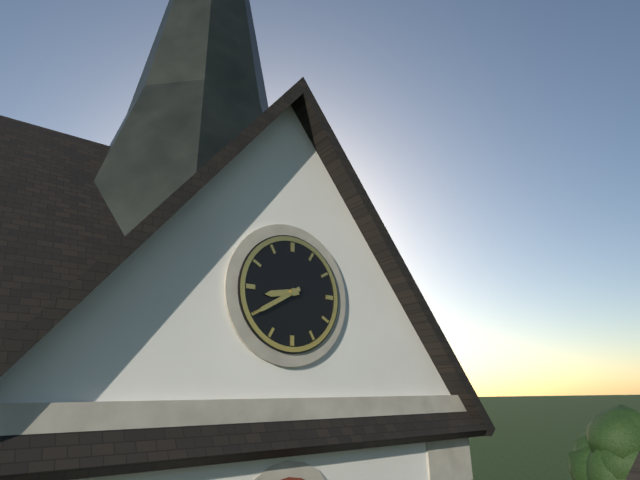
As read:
**8:40**
